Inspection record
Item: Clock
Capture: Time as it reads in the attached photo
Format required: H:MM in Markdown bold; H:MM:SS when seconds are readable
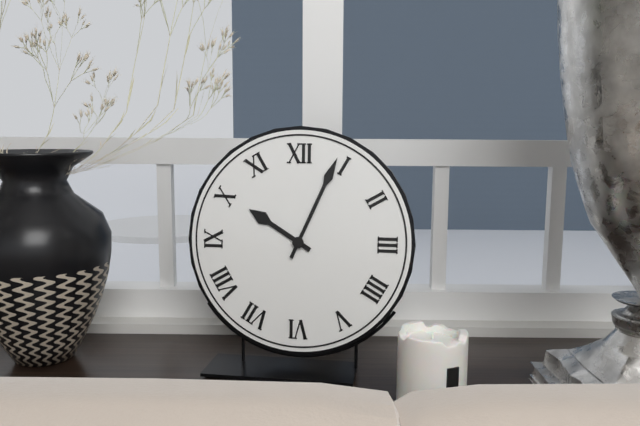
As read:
**10:04**
